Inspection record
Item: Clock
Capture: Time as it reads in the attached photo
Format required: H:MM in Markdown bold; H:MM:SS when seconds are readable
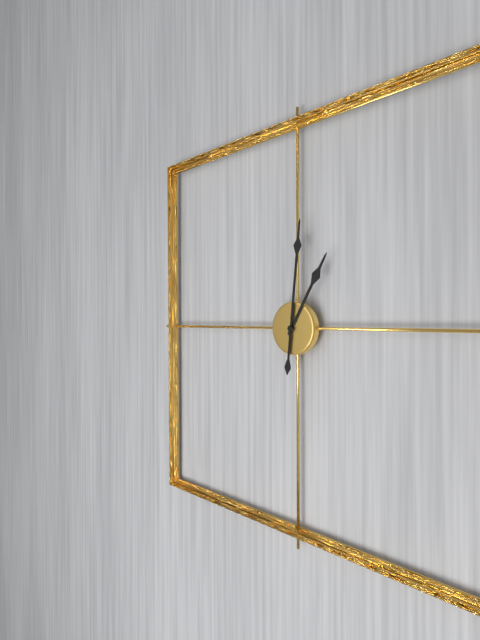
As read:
**1:01**
